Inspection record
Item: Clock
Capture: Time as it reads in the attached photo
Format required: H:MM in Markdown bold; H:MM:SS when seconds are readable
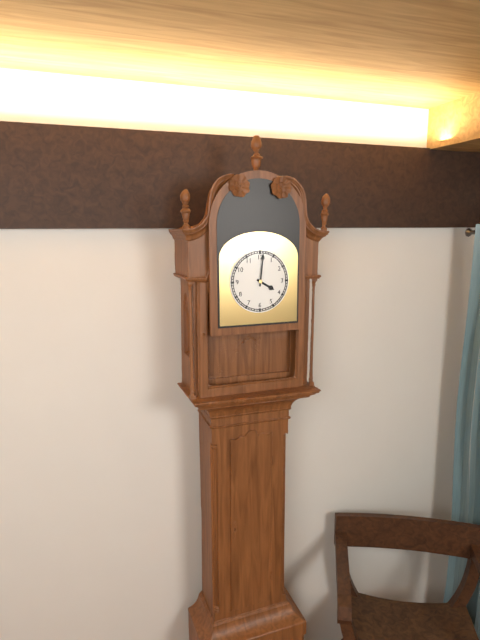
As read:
**4:01**
